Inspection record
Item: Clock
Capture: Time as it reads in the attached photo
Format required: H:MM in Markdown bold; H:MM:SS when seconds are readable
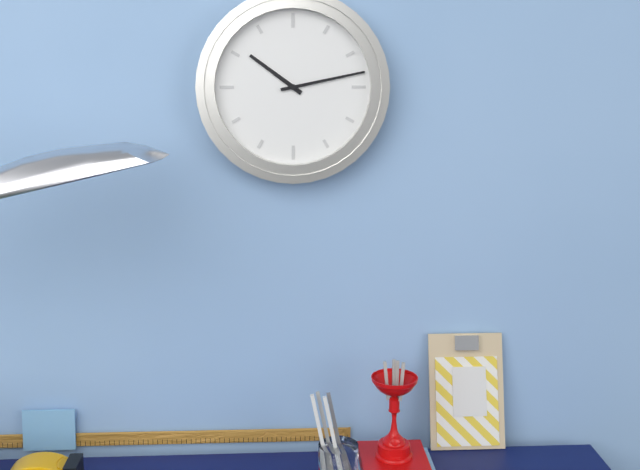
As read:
**10:13**
